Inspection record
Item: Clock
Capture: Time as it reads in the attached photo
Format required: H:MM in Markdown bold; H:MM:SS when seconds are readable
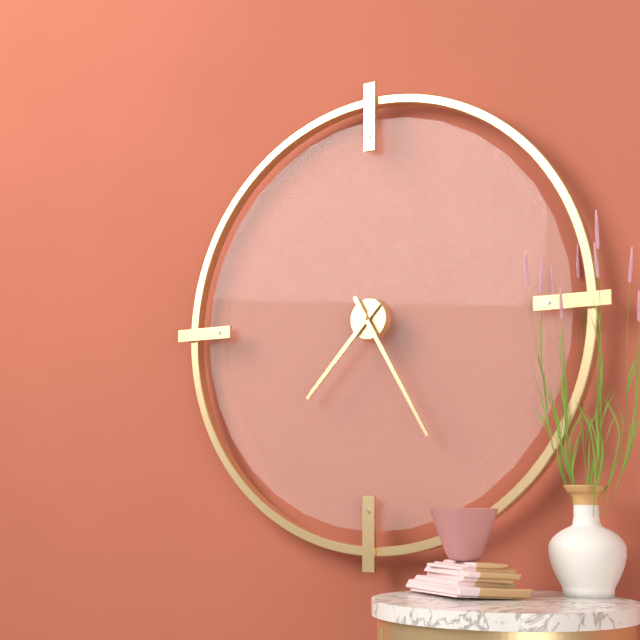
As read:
**7:25**
